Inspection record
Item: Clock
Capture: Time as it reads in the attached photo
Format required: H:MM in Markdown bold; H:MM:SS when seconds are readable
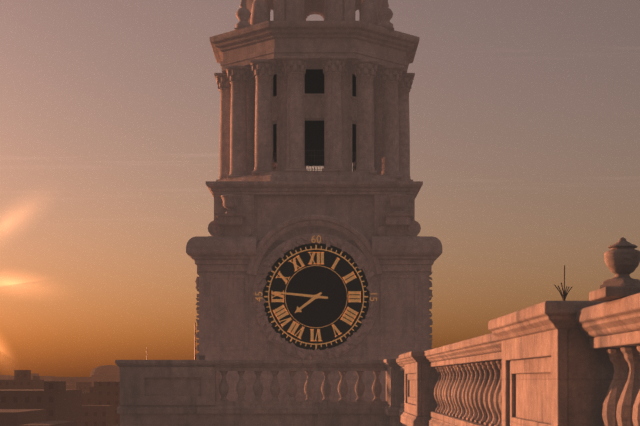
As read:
**7:46**
